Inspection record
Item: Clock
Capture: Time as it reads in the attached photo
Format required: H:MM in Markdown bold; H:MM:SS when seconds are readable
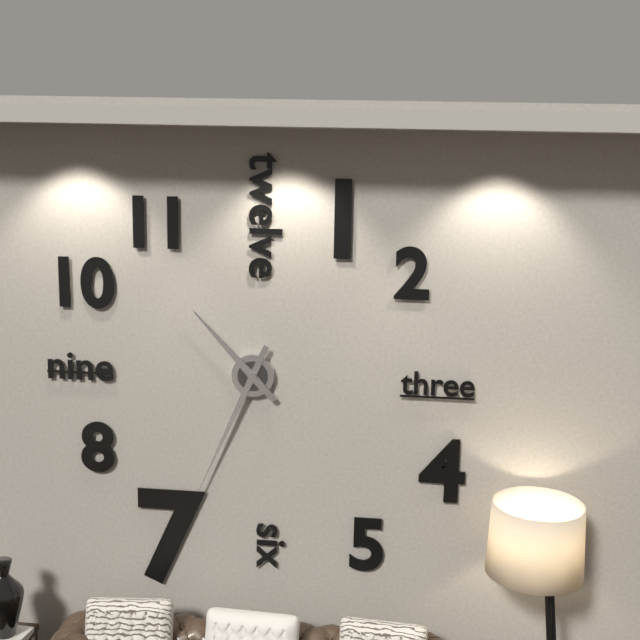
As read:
**10:34**
